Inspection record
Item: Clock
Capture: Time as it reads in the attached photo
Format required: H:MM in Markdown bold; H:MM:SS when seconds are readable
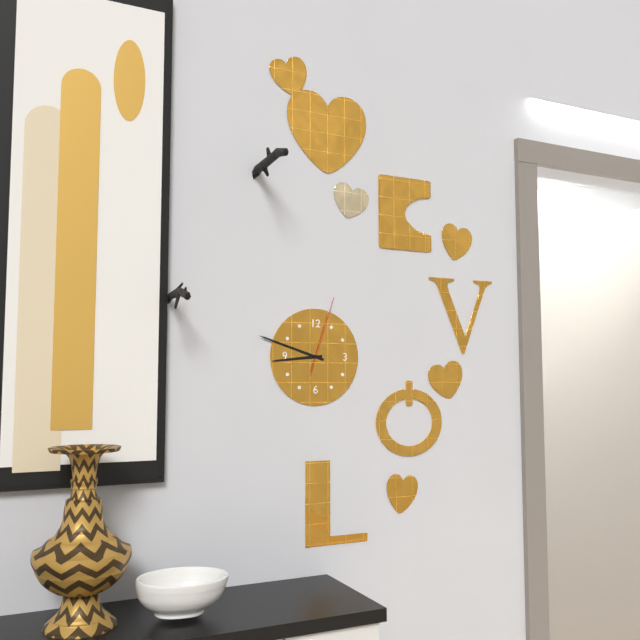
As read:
**8:48:03**
